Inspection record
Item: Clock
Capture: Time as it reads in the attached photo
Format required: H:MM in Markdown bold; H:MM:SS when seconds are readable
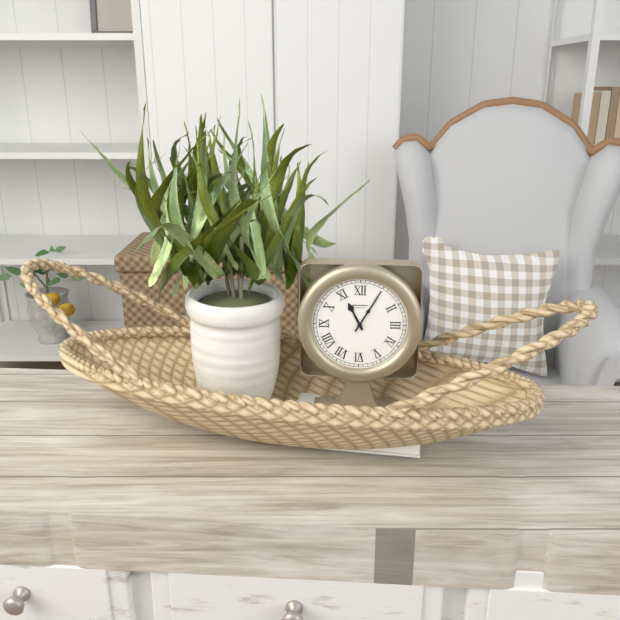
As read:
**11:05**
